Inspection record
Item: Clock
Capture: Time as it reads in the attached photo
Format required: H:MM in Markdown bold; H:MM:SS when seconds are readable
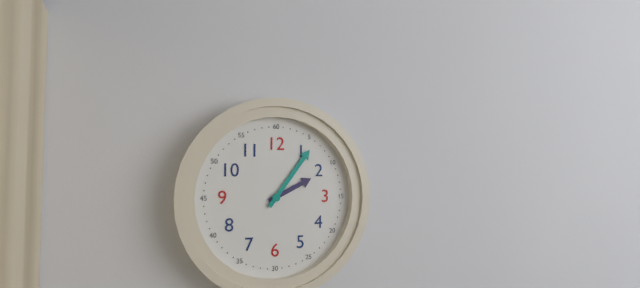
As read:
**2:06**
